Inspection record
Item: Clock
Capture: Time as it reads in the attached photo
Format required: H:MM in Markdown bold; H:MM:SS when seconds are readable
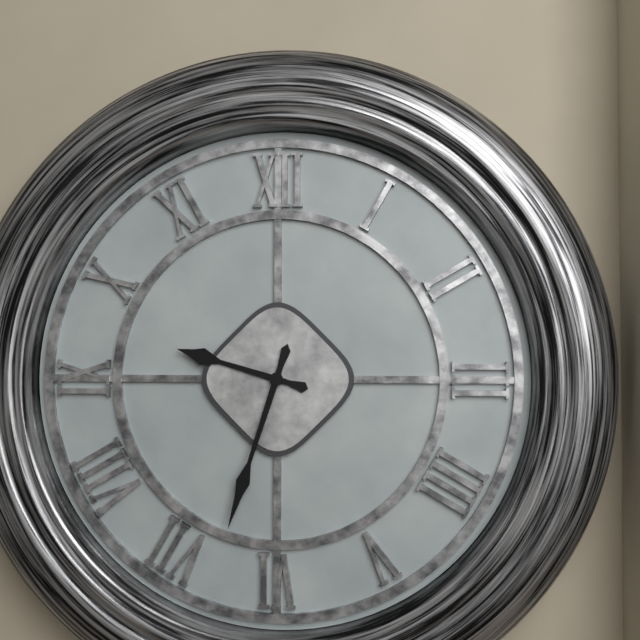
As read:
**9:33**
